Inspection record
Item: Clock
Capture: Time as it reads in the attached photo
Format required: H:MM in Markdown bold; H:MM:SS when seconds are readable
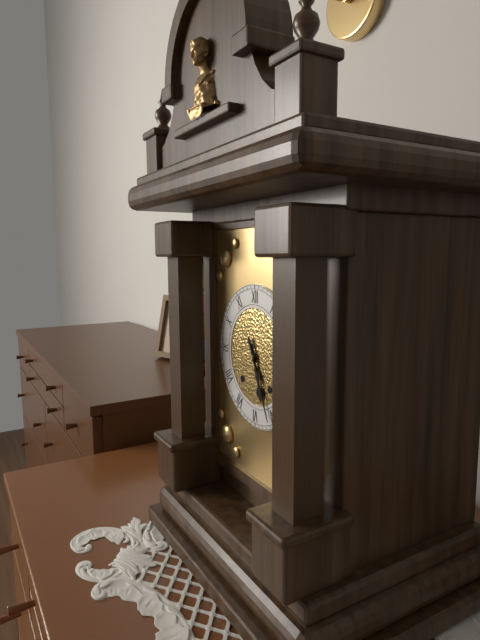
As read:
**5:26**
